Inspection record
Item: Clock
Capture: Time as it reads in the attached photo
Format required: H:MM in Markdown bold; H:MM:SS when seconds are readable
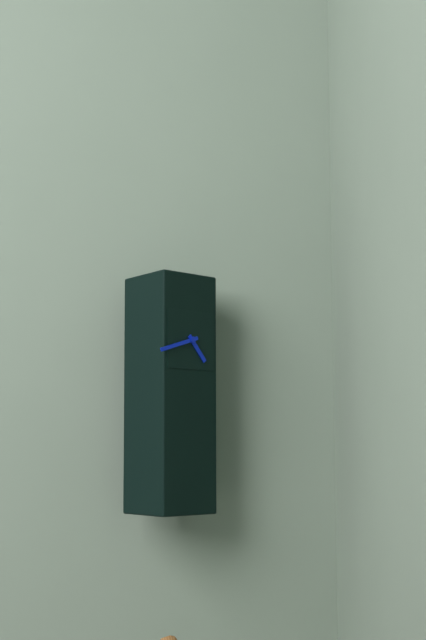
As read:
**4:42**
